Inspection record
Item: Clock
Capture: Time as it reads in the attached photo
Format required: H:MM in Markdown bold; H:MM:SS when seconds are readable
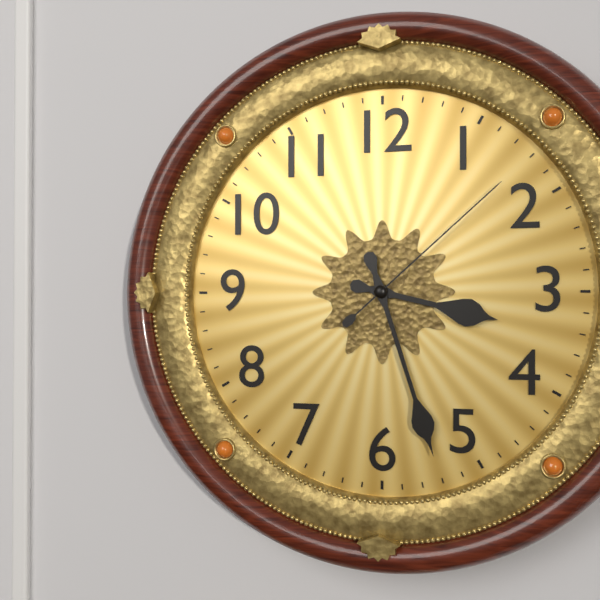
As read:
**3:27:08**
